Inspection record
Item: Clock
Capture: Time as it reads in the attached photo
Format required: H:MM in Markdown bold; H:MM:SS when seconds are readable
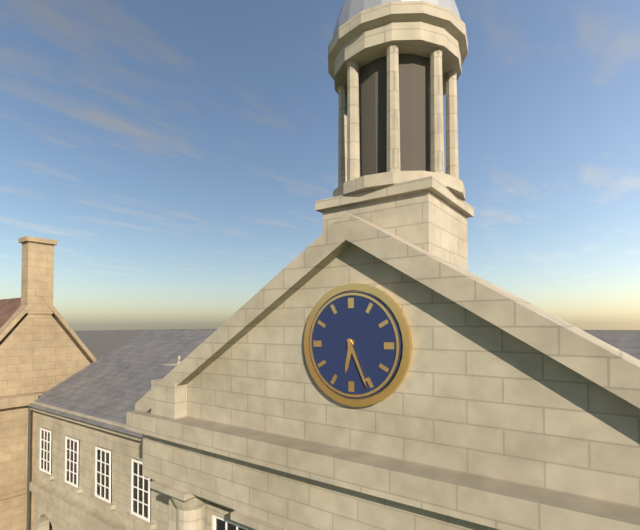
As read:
**6:26**
